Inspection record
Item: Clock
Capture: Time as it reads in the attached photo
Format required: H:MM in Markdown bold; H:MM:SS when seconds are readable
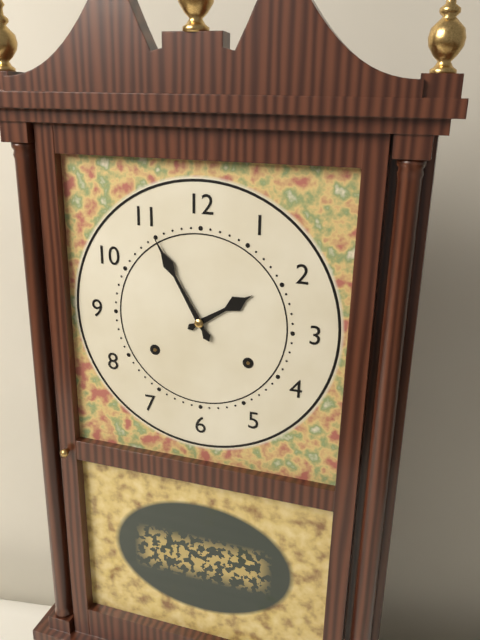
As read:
**1:55**
